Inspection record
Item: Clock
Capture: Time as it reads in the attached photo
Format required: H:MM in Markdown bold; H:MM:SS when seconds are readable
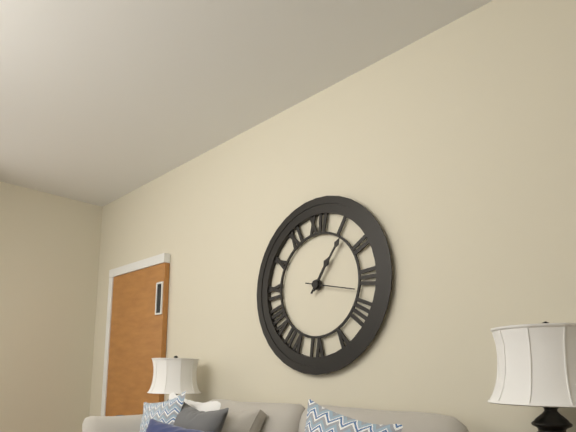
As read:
**1:06**
